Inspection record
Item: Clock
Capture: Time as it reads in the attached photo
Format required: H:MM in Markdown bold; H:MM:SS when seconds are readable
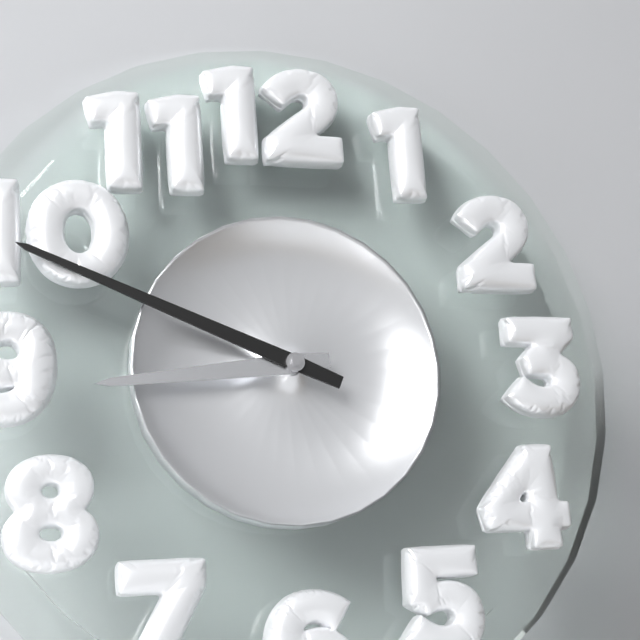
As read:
**8:49**
